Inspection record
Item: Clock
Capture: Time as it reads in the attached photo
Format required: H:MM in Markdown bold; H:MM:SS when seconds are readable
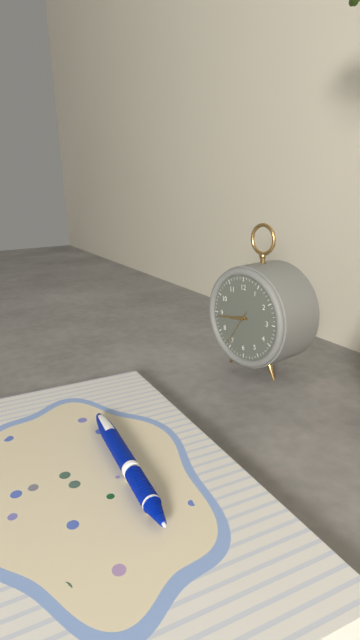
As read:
**8:44**
